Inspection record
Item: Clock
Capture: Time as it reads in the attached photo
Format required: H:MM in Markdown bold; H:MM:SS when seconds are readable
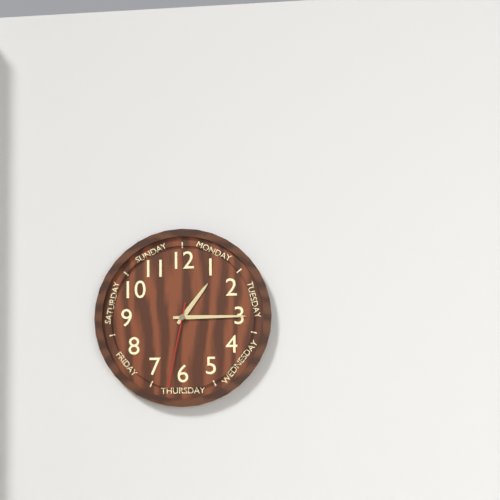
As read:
**1:15:32**
